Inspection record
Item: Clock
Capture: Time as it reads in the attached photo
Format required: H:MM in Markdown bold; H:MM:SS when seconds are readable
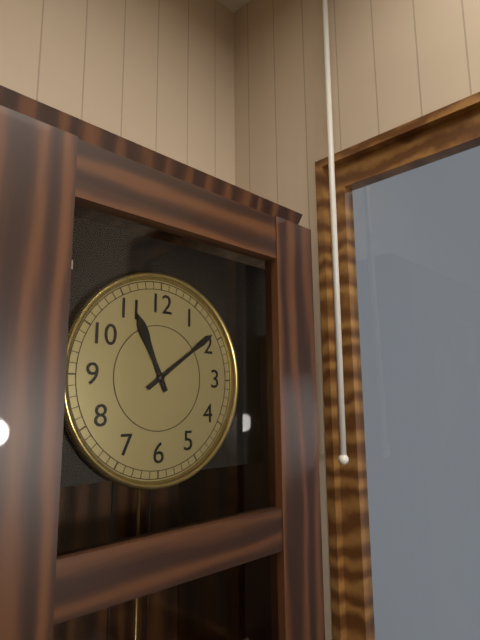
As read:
**11:09**
